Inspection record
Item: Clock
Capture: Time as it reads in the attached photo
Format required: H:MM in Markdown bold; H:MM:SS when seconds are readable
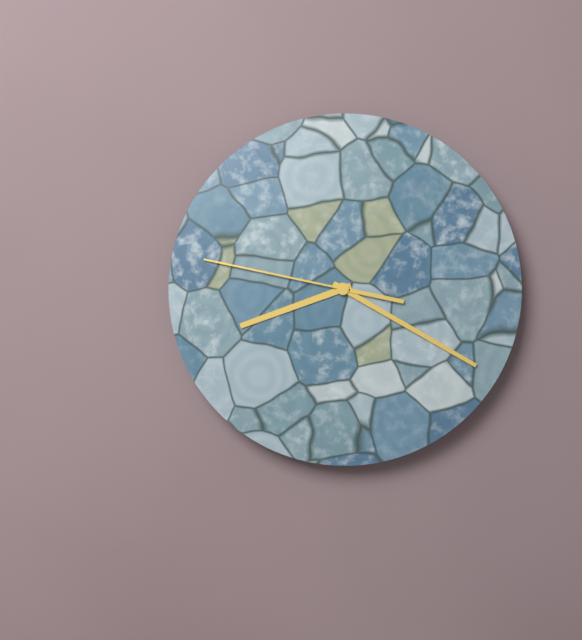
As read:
**8:20:47**
